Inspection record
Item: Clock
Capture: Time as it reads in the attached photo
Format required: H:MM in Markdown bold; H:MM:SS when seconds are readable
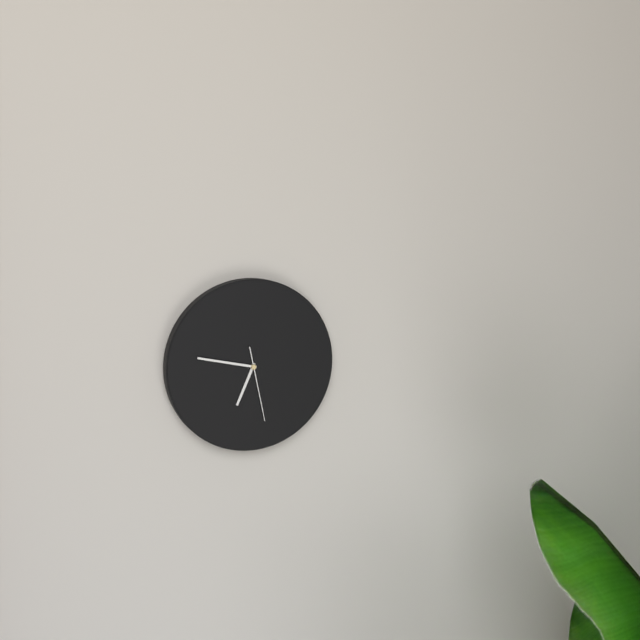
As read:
**6:47:28**
